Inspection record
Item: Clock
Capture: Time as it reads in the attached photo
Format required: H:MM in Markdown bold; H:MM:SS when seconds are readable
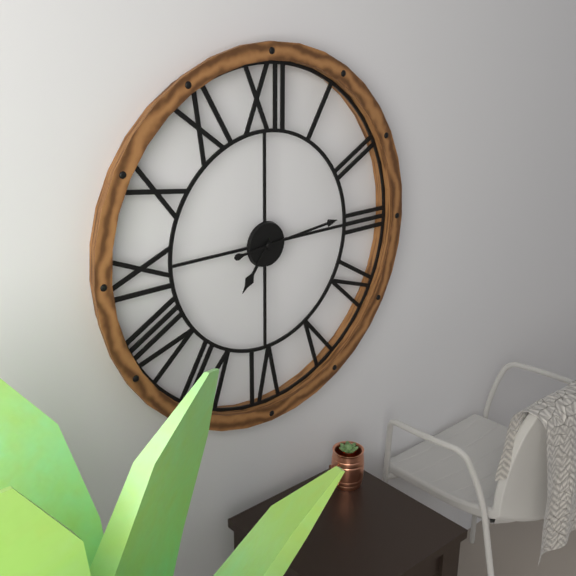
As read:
**7:14**
